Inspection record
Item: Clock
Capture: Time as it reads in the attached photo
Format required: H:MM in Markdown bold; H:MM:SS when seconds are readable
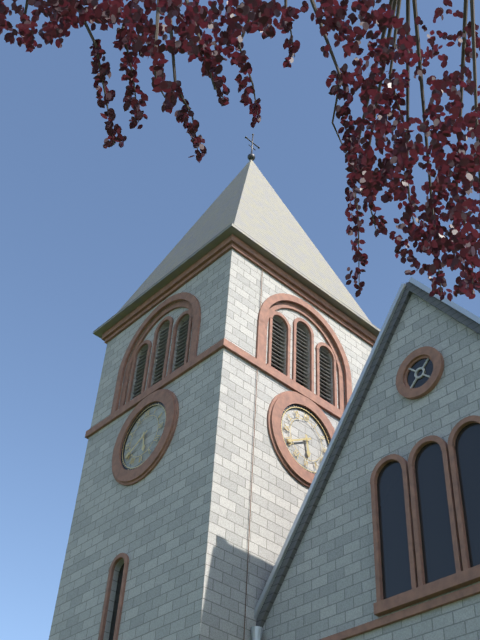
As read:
**5:40**
